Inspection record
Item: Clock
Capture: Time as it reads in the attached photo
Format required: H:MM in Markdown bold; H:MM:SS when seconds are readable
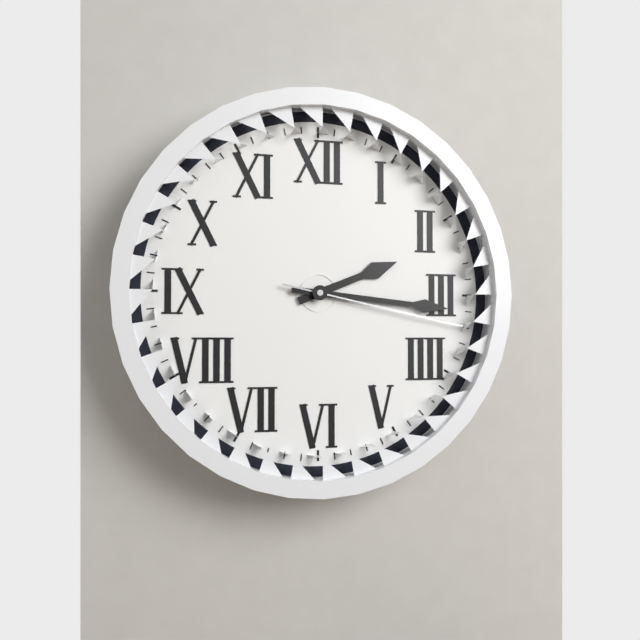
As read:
**2:16:17**
